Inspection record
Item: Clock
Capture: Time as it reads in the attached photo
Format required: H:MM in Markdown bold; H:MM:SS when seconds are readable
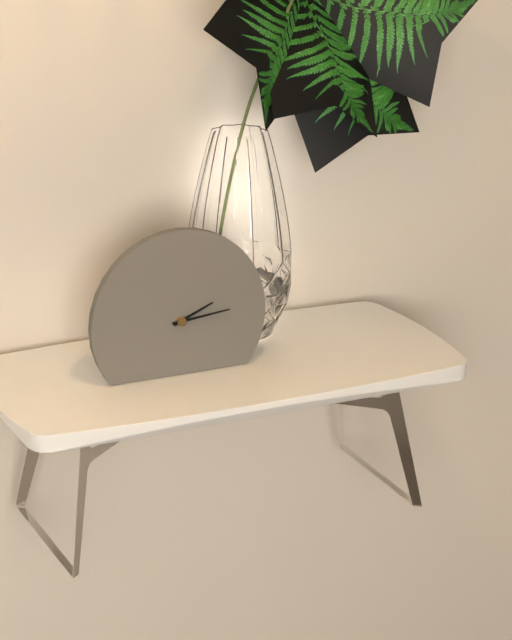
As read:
**2:14**
